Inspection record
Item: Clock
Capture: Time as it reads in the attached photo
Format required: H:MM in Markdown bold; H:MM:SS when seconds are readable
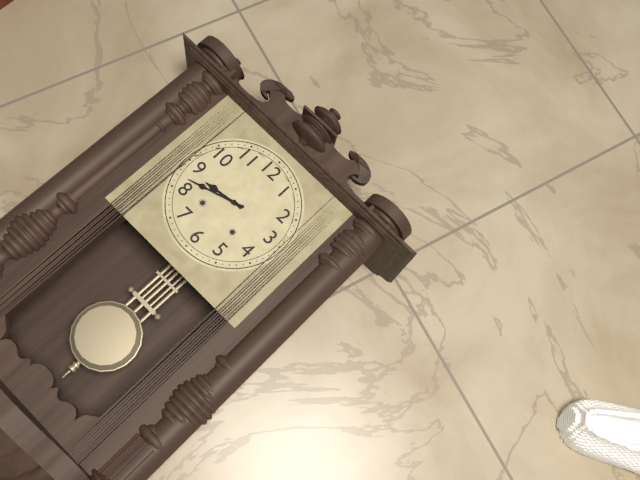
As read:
**8:42**
